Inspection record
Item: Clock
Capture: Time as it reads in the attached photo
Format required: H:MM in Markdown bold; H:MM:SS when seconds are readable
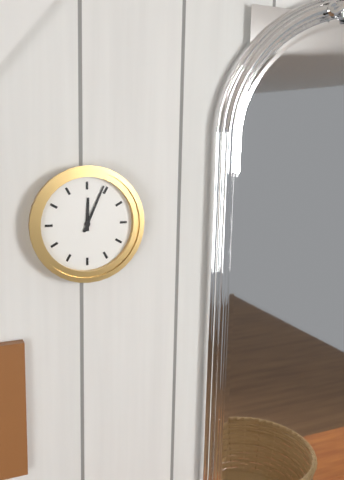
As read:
**12:04**
